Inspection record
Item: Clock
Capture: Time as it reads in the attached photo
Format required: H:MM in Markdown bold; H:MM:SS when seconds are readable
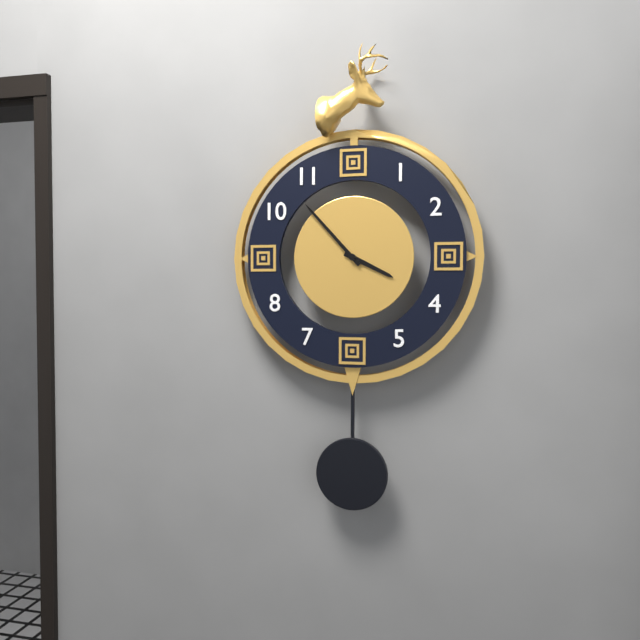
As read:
**3:53**
